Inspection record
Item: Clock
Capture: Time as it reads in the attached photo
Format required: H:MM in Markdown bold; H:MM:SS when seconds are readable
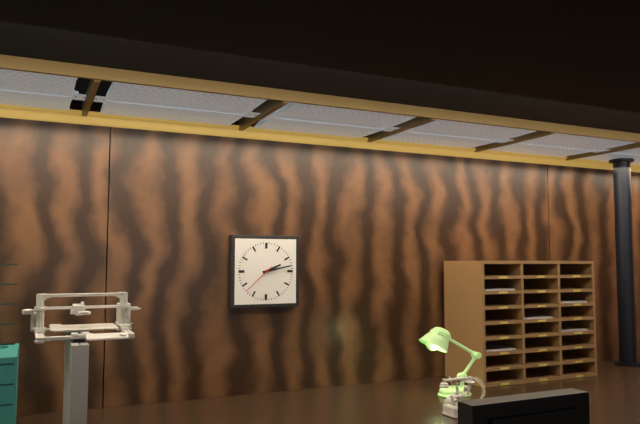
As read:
**2:13**
